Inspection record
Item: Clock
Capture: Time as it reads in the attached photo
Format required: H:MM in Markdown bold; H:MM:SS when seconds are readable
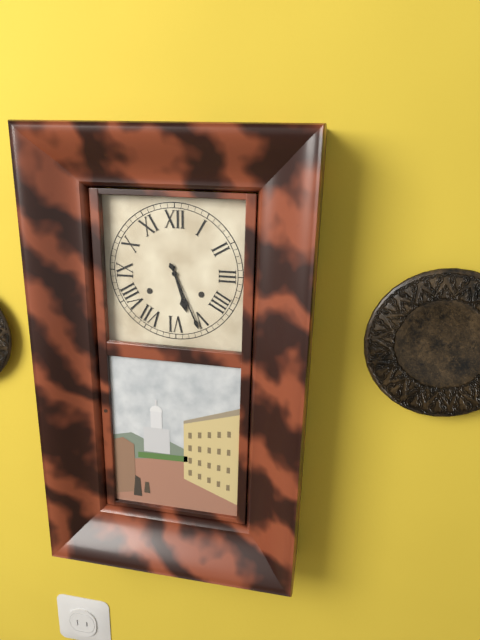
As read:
**5:26**
